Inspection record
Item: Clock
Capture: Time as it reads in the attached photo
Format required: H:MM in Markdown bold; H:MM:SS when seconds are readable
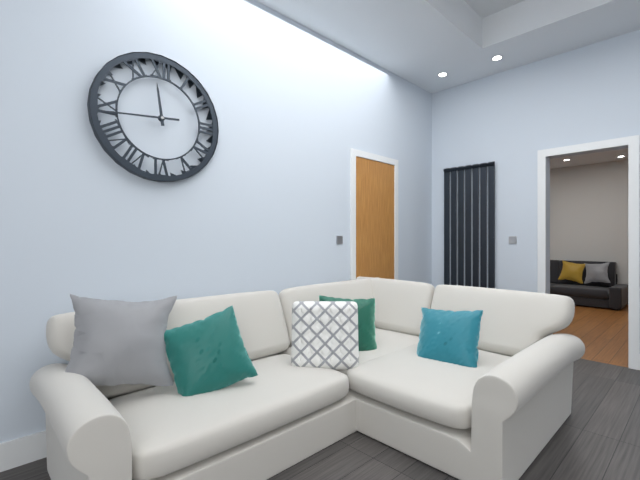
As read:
**11:44**
